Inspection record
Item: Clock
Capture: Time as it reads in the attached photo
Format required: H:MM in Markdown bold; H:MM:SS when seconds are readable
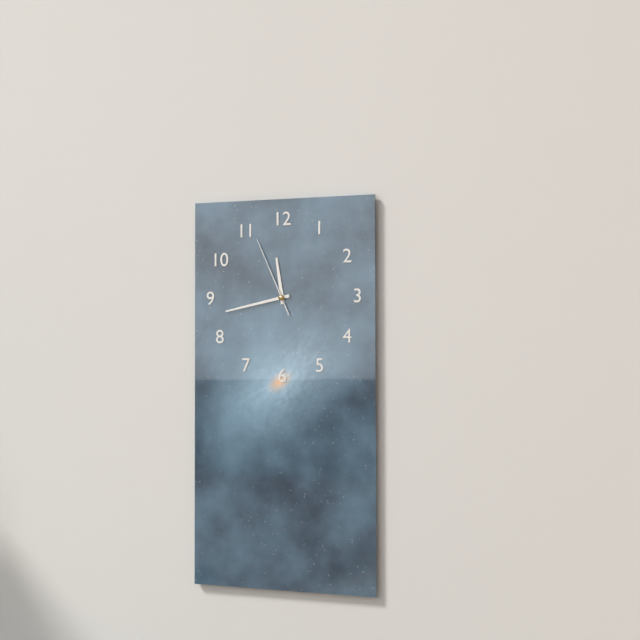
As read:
**11:43:56**
